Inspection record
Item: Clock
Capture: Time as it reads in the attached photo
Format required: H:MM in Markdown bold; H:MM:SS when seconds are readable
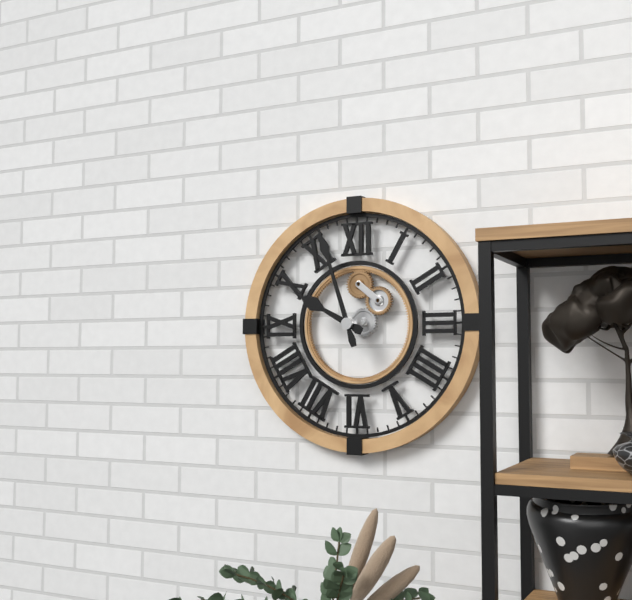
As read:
**9:57**
